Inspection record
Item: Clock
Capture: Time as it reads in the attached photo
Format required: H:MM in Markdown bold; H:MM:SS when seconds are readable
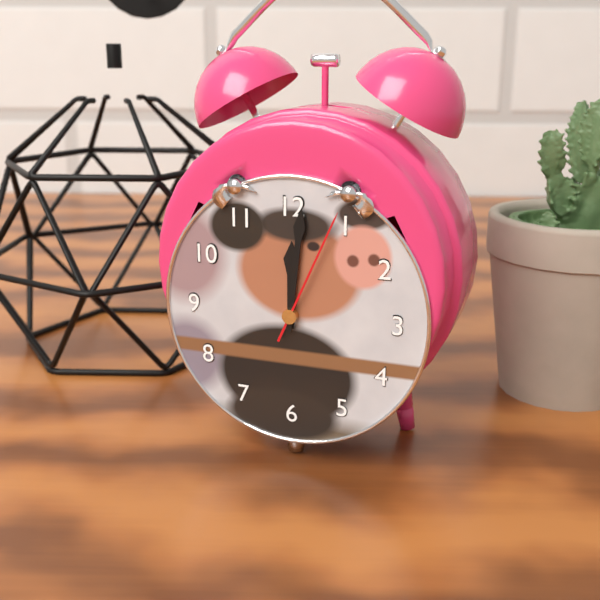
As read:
**12:01:04**
